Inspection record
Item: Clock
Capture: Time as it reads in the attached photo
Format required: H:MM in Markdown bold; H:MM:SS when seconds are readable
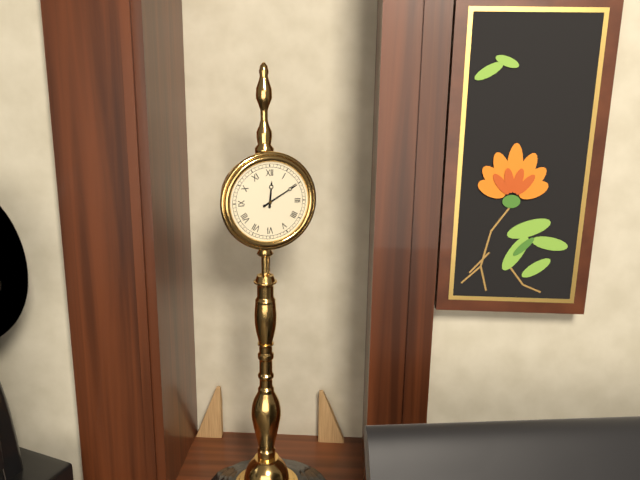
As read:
**12:10**
